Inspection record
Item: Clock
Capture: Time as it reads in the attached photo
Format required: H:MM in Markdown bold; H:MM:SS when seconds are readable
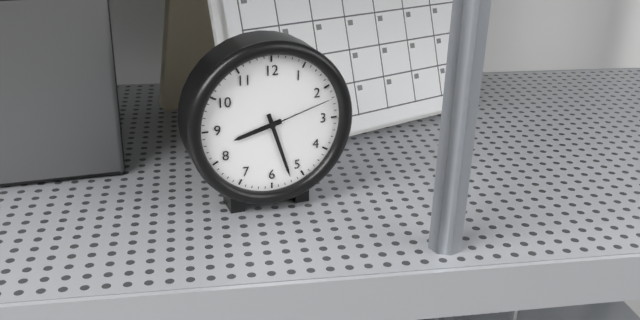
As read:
**8:27:12**
